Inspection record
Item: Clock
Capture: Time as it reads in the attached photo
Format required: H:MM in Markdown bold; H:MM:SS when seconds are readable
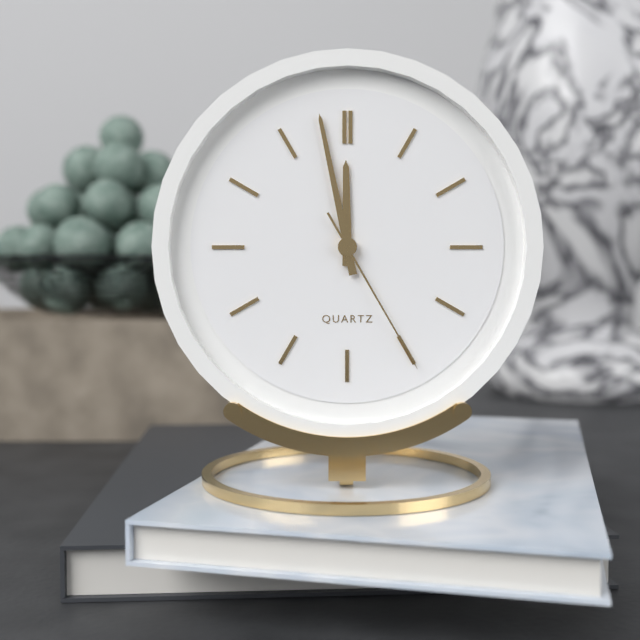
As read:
**11:58:25**
